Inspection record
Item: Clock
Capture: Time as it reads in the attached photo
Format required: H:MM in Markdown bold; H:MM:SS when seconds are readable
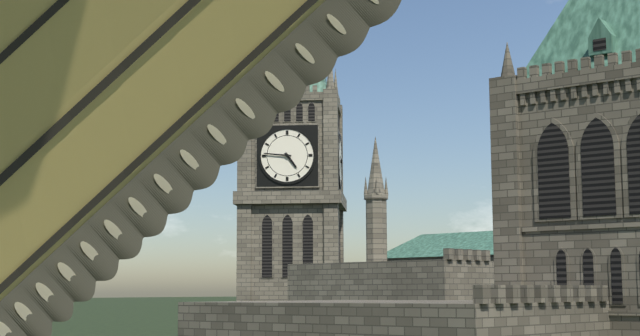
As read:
**4:46**
